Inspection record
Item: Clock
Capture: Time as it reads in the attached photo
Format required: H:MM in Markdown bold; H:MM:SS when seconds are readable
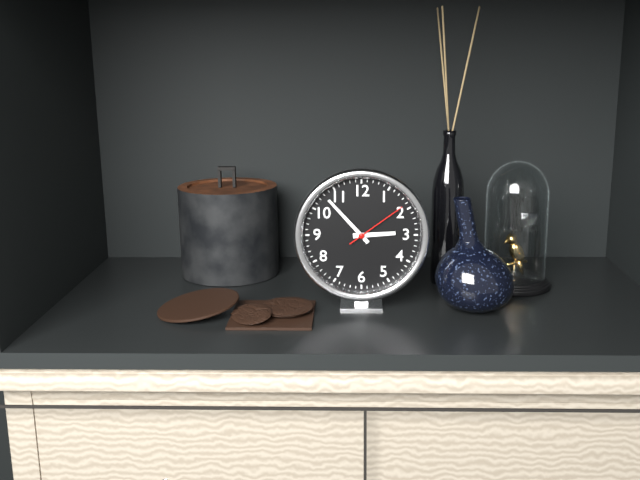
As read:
**2:53:09**
